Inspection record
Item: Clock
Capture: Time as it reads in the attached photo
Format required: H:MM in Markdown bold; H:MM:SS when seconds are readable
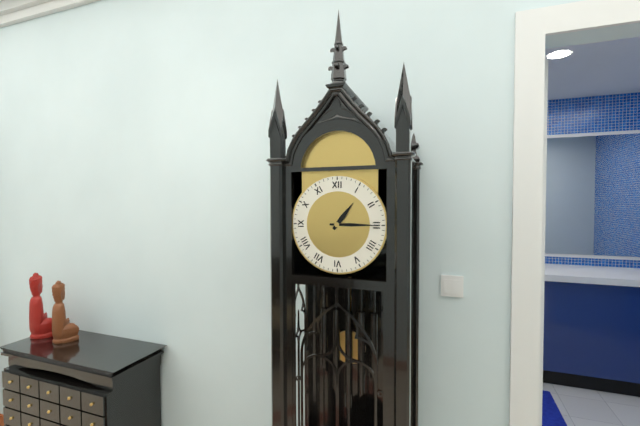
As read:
**1:15**
